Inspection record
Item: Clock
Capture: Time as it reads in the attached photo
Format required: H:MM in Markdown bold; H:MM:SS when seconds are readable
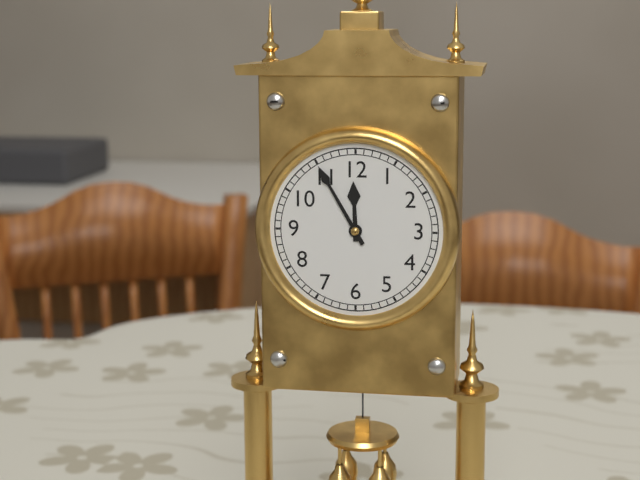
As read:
**11:55**
